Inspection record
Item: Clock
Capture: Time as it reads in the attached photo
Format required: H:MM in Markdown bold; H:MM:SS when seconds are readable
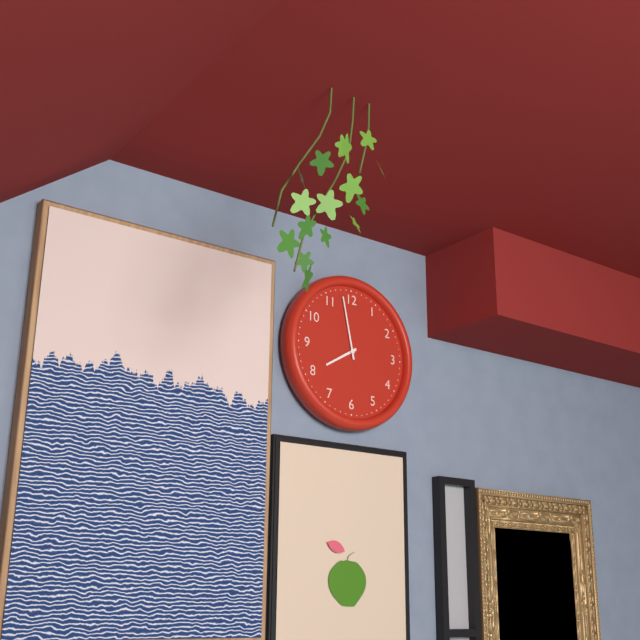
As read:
**7:58**
